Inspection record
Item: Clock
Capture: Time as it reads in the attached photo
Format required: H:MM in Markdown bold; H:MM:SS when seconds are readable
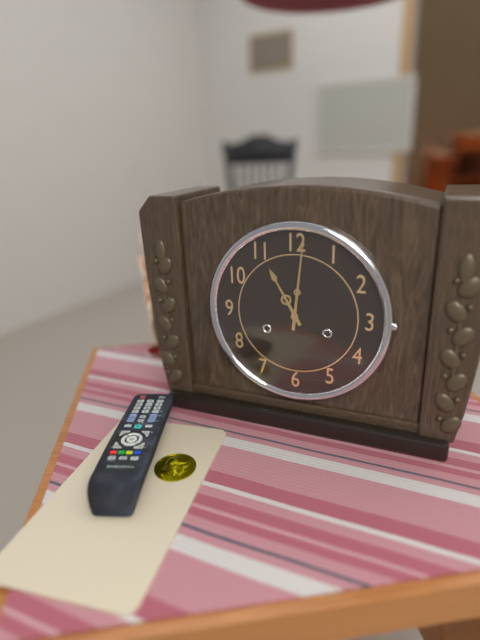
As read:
**11:01**
